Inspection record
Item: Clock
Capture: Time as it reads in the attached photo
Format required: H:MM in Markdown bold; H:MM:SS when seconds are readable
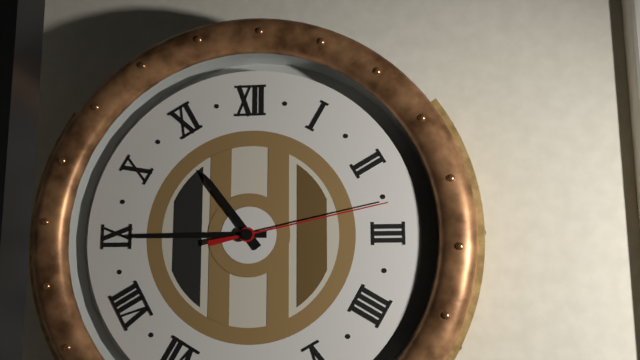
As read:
**10:45:13**
